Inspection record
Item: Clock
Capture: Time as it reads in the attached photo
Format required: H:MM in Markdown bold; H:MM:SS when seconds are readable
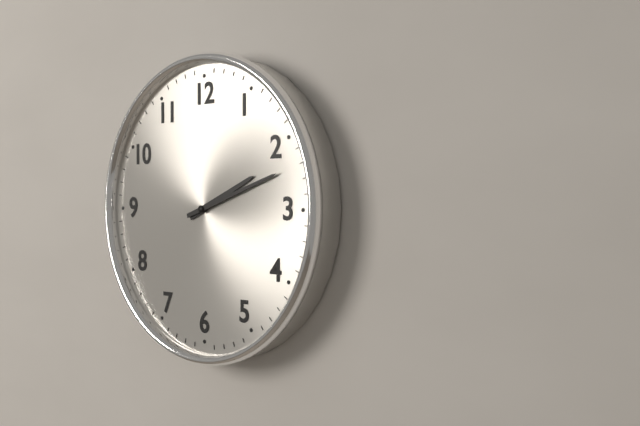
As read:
**2:12**
